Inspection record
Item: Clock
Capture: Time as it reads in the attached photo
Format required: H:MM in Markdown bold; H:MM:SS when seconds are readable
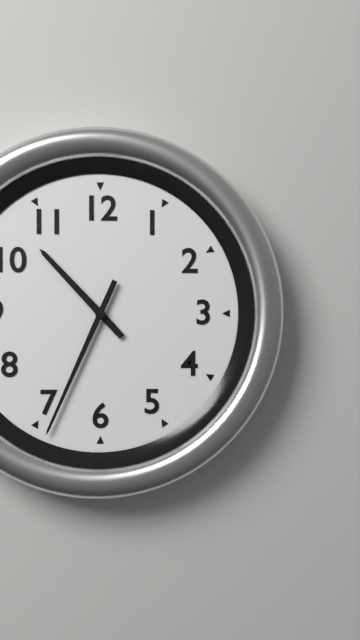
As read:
**10:34**
